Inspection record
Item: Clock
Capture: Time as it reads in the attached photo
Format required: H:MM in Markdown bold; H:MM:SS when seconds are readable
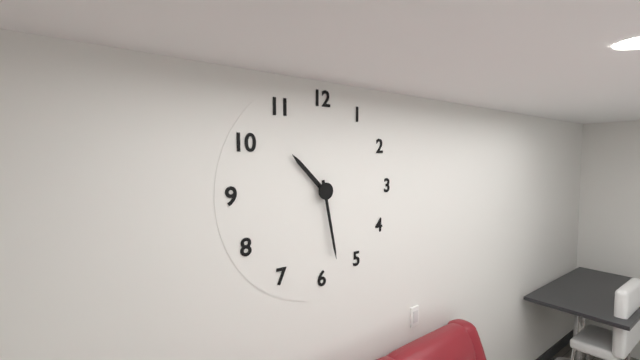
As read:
**10:28**
